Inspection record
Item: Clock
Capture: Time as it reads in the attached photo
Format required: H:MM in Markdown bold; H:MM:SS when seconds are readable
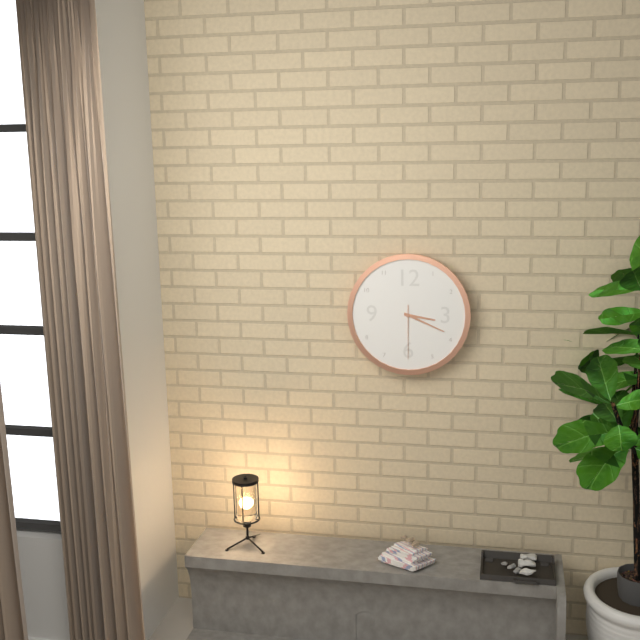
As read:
**3:19:30**
